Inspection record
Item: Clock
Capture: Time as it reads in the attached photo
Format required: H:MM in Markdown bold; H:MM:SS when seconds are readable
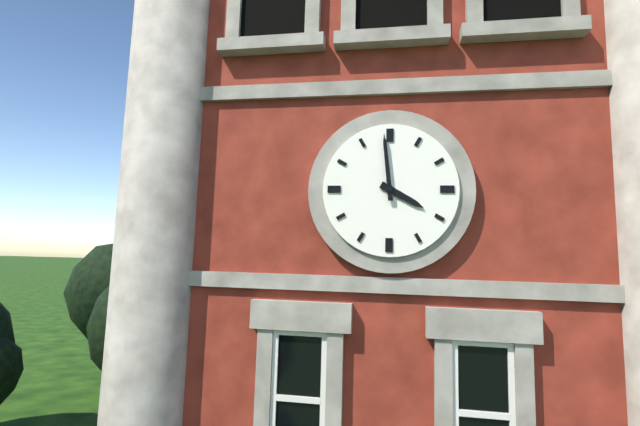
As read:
**3:59**
